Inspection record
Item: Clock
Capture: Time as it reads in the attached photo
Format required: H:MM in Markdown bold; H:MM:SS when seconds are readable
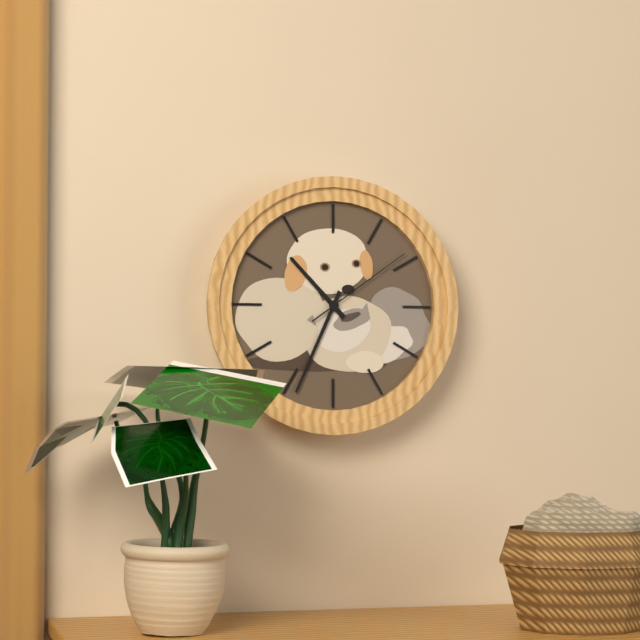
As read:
**10:34:09**
